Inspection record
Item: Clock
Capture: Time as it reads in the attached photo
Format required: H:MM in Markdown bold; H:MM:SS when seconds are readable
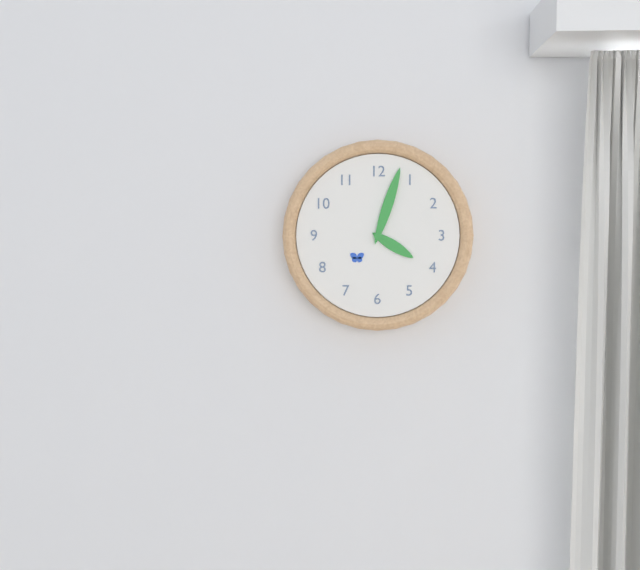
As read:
**4:03**
